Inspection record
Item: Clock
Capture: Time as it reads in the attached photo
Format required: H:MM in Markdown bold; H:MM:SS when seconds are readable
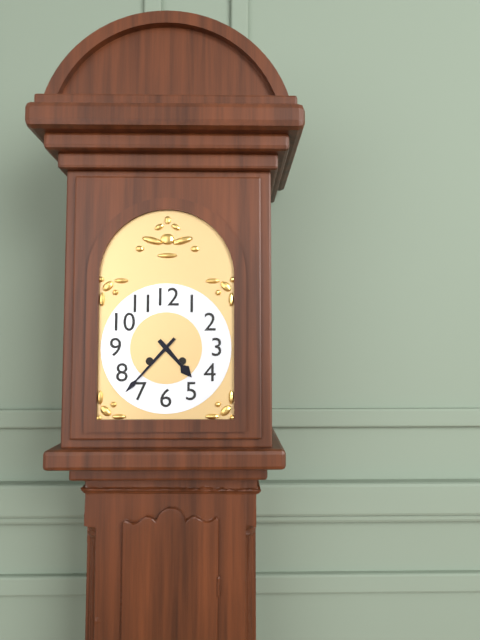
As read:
**4:37**
